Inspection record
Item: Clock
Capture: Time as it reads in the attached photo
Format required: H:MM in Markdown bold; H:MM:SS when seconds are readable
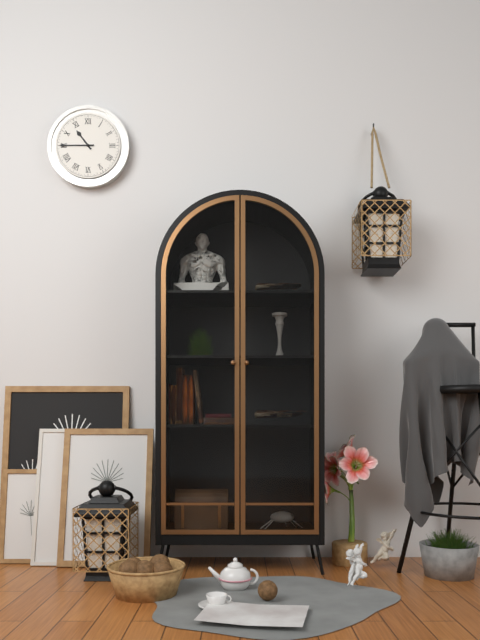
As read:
**10:45**
